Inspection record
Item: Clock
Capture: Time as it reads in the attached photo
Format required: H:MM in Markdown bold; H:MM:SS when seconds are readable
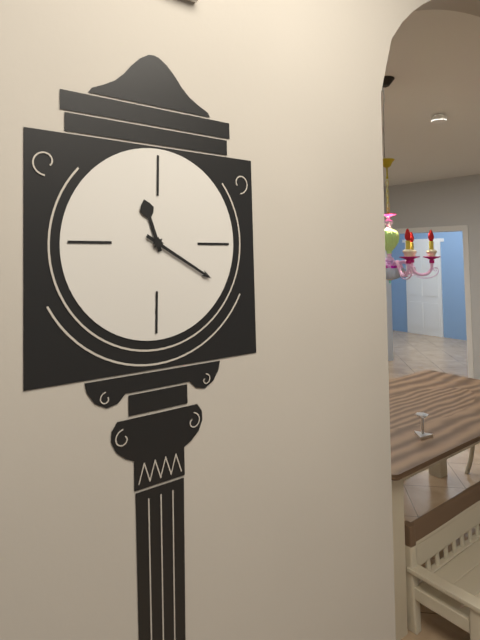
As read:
**11:20**
